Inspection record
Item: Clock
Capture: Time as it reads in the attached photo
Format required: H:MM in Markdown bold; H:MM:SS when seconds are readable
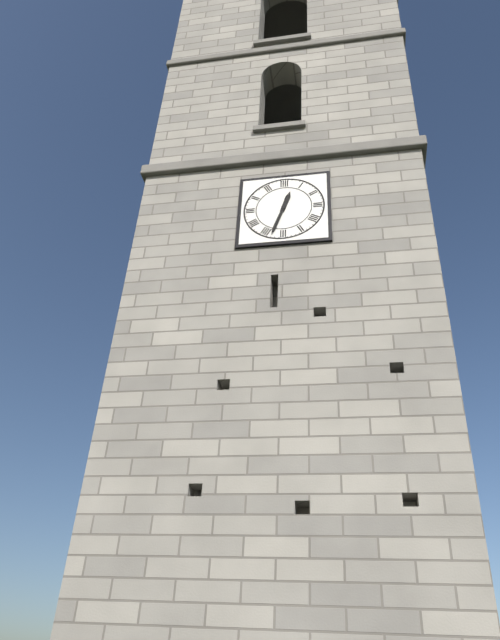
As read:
**12:33**
